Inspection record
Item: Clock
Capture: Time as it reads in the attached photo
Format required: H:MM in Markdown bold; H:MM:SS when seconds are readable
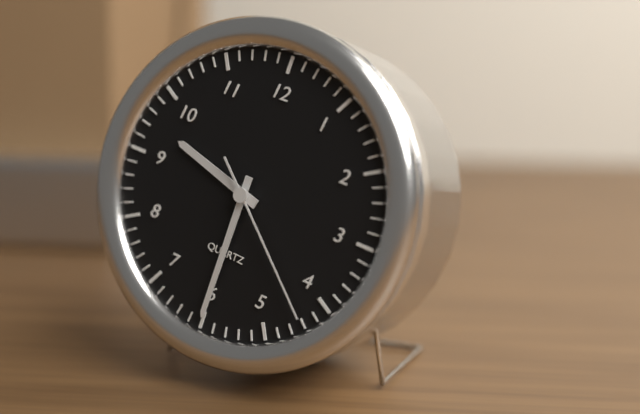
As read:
**9:30:22**
